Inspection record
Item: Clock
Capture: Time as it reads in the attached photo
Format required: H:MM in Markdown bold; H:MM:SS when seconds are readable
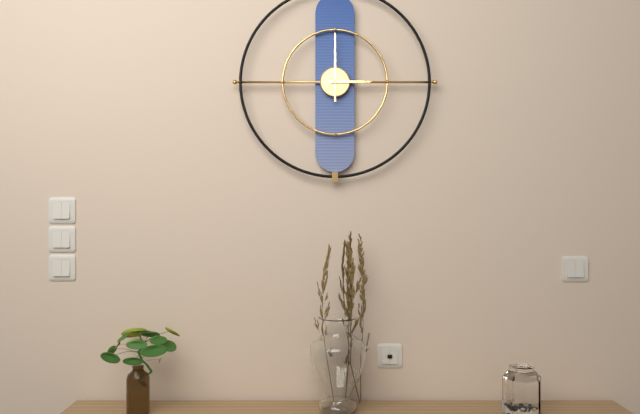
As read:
**3:00**
